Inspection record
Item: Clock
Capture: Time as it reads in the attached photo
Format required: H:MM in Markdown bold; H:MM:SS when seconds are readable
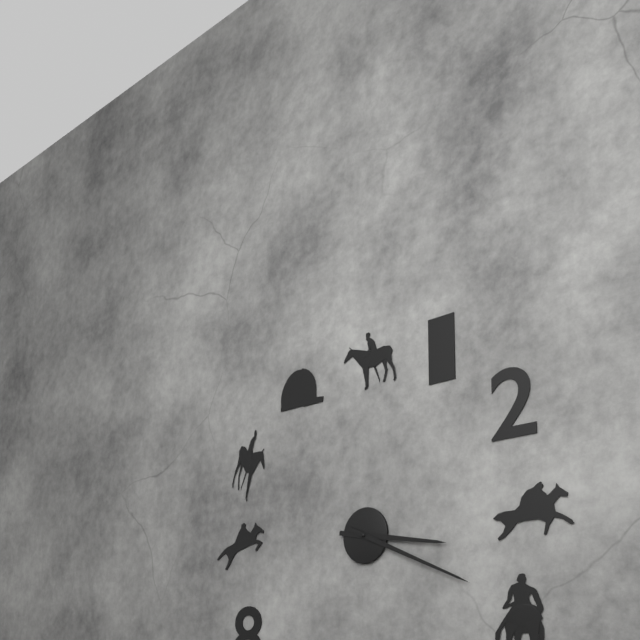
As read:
**3:19**
